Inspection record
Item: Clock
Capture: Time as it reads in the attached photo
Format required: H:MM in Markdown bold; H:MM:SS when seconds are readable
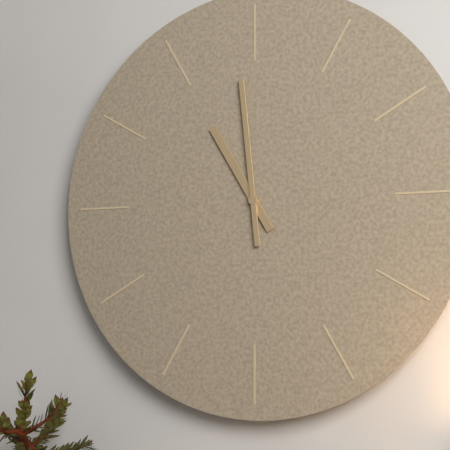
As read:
**10:59**
